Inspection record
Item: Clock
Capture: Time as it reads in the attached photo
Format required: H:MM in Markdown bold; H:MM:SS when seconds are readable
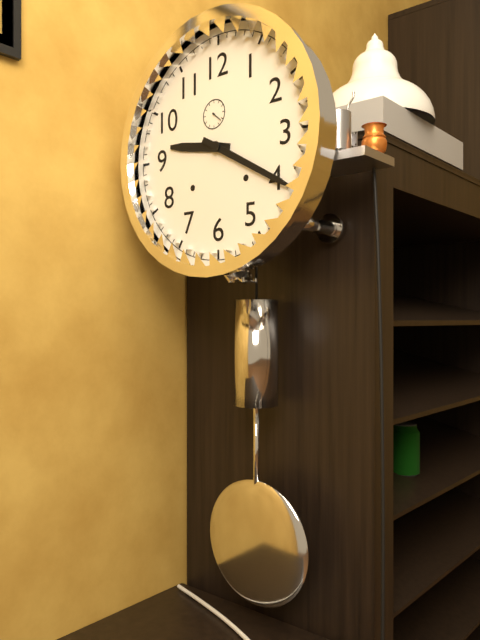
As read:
**9:20**
